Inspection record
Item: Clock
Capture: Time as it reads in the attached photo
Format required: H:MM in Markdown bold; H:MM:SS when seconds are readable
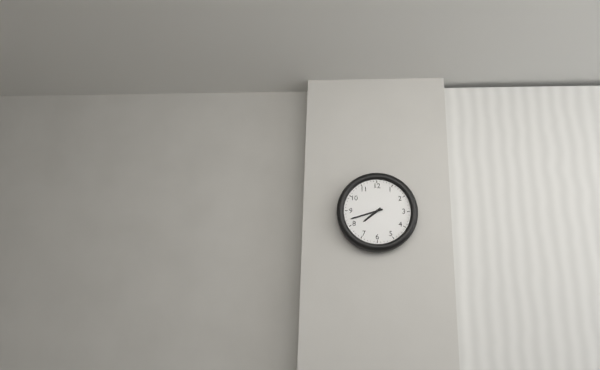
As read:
**7:42**
